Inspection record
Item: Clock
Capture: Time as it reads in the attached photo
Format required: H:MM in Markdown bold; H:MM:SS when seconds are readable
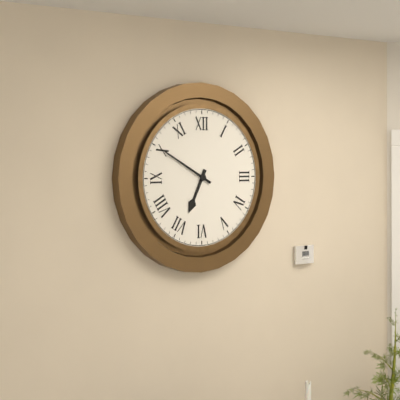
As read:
**6:50**
